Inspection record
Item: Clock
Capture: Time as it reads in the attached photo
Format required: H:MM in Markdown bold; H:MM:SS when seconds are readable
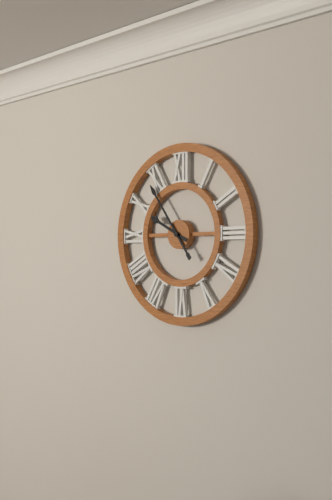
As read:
**9:54**
